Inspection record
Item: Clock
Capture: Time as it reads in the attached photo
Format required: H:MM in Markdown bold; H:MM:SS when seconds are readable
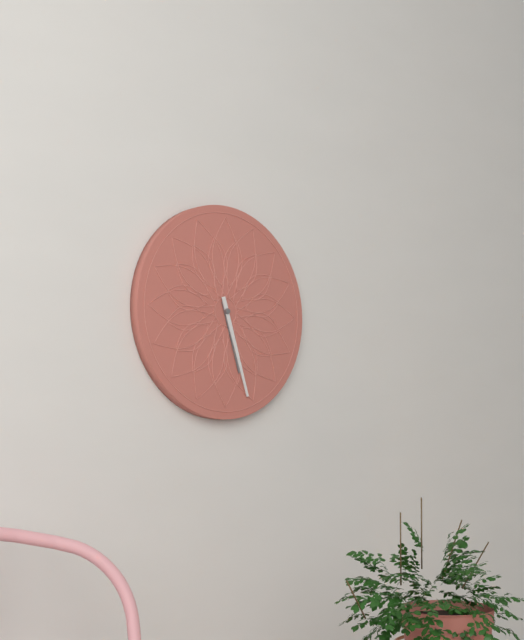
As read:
**5:27**
